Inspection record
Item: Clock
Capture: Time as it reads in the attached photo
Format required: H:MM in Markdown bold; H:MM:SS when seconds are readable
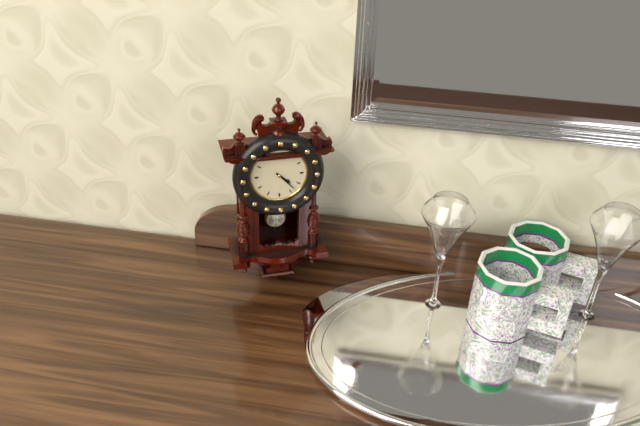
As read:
**4:23**
